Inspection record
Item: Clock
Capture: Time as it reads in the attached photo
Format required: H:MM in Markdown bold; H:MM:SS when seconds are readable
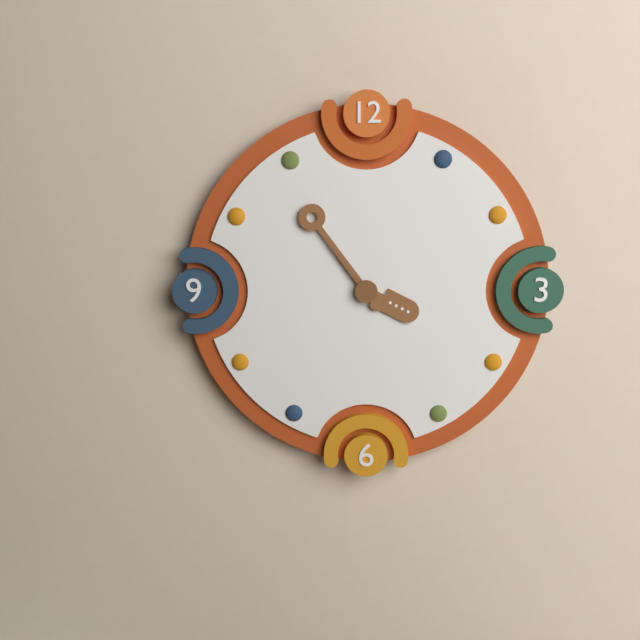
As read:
**3:54**
